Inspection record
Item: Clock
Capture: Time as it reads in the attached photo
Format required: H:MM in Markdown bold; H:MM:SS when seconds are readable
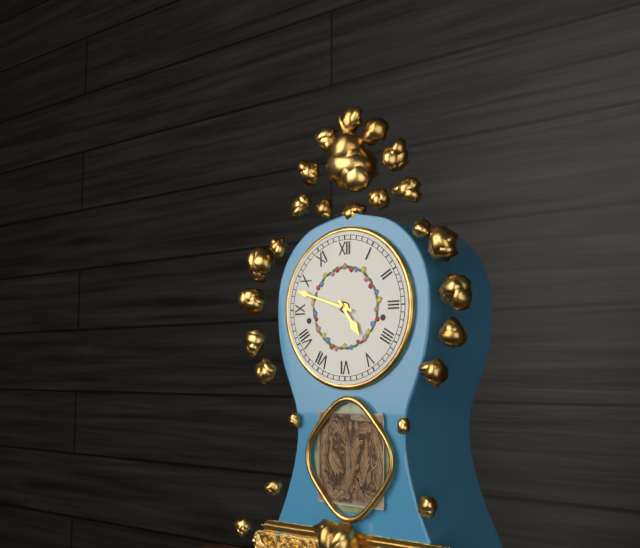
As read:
**4:48**
